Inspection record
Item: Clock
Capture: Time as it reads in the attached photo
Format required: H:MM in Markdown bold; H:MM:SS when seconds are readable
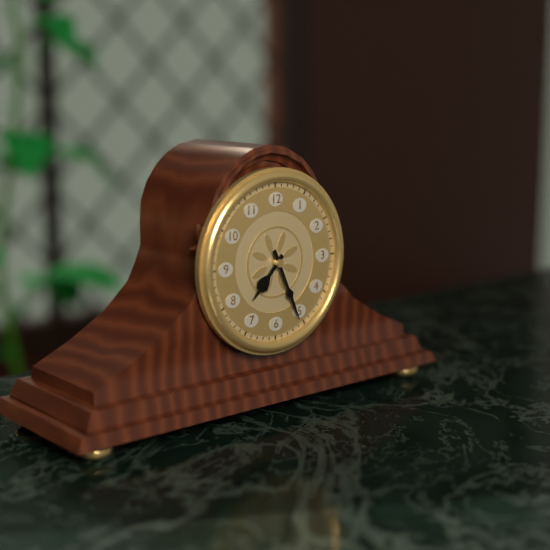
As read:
**7:26**
